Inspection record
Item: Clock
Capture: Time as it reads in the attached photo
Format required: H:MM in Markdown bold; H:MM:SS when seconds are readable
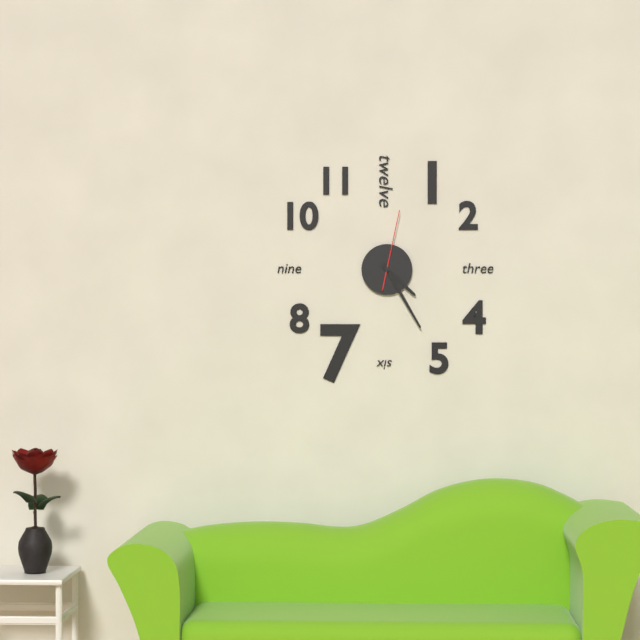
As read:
**4:25:02**
